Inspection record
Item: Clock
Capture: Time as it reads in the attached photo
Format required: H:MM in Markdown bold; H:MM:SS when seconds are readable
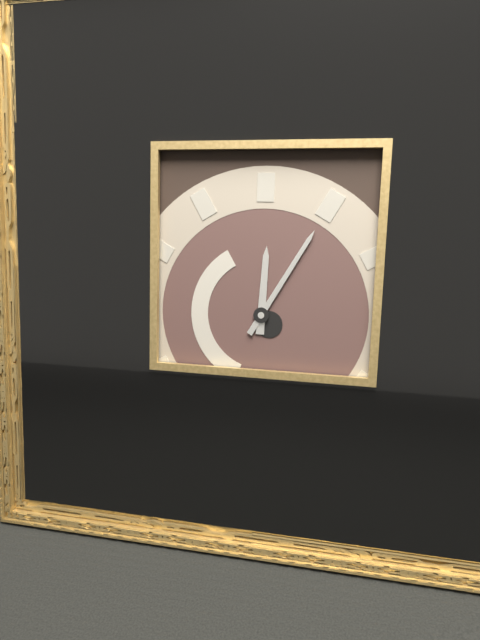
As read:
**12:05**
